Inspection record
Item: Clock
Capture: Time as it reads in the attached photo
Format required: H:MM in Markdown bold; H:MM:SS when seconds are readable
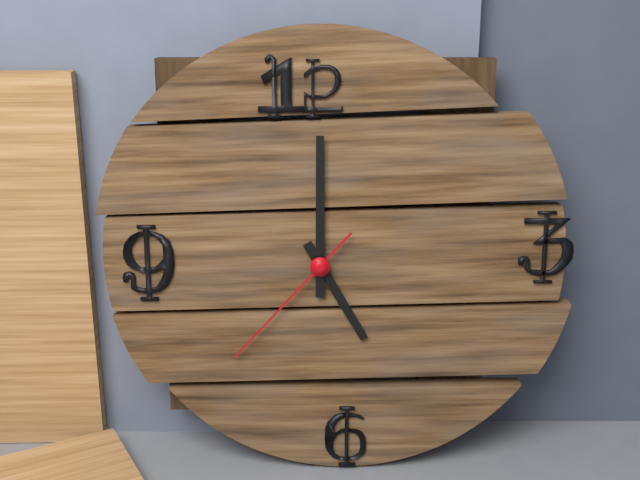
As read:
**5:00:37**
